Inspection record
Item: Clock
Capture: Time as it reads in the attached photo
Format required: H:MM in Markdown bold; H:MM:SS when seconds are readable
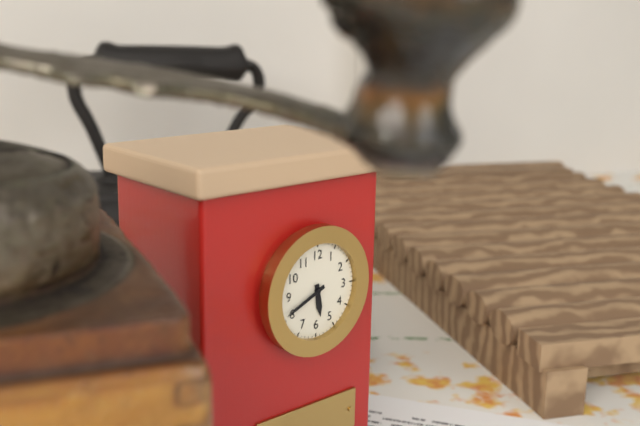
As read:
**5:41**
